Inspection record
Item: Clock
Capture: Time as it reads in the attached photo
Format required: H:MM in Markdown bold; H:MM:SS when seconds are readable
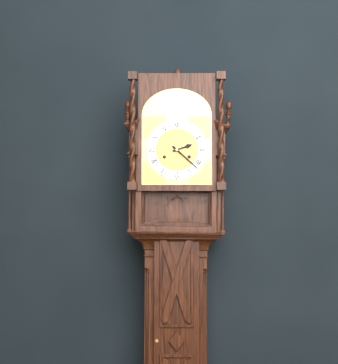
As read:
**2:22**
